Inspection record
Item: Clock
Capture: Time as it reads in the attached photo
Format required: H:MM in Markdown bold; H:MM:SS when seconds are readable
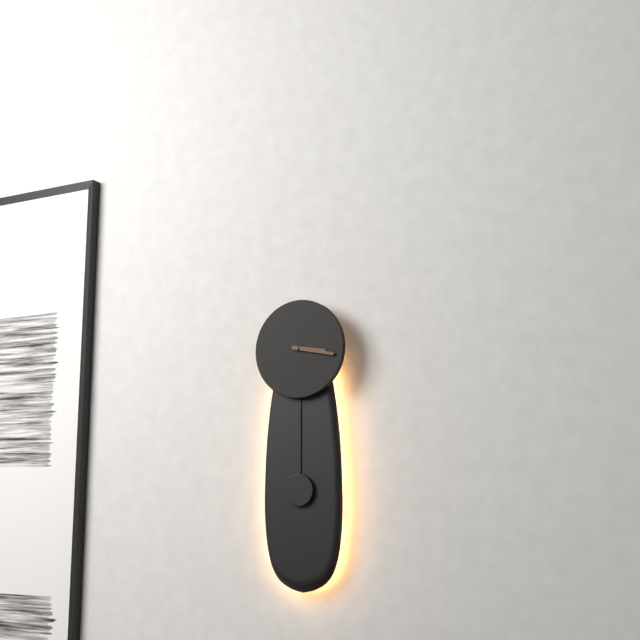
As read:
**3:17**
